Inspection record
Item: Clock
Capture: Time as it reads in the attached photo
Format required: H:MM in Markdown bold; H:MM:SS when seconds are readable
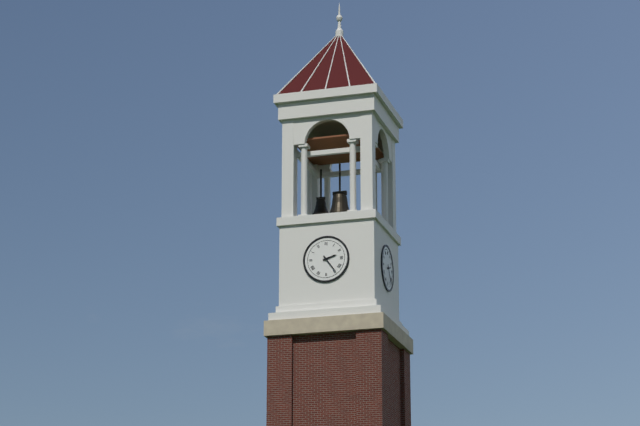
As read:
**2:24**
